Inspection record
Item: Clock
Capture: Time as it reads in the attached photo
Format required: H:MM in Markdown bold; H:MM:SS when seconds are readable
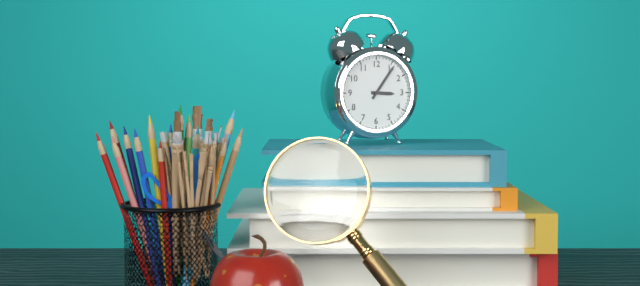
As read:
**3:06**
